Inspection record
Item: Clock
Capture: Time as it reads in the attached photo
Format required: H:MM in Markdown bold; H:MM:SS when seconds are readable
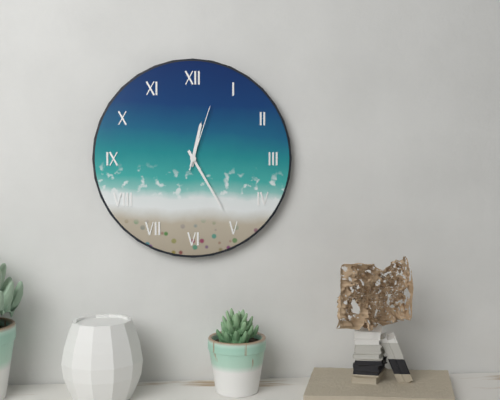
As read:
**12:25:03**
